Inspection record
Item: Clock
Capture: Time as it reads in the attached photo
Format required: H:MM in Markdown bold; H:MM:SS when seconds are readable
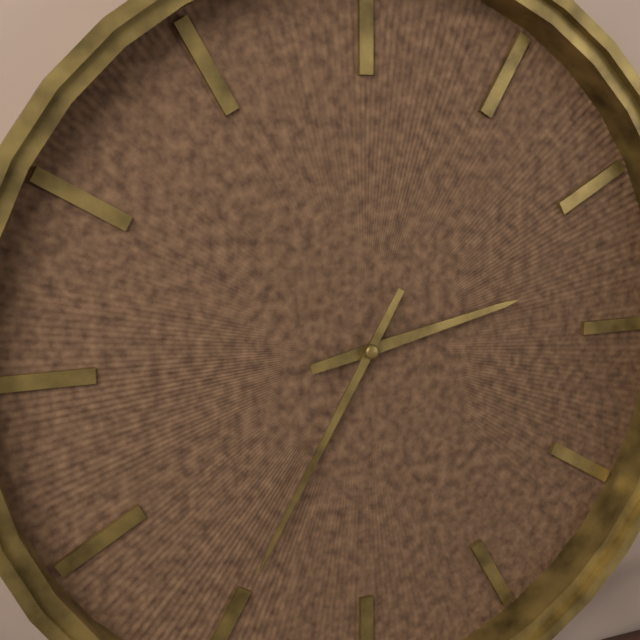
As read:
**2:35**
